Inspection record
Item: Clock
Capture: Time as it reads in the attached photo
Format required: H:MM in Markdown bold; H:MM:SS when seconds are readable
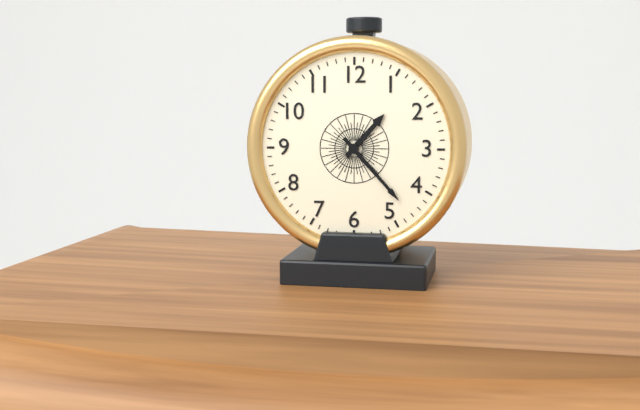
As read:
**1:23**
